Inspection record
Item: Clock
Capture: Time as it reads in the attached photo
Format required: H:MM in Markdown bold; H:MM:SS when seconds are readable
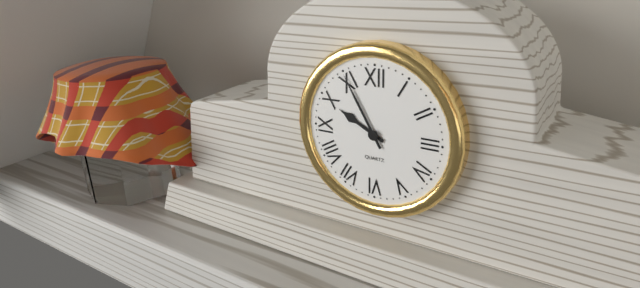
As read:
**9:55**
